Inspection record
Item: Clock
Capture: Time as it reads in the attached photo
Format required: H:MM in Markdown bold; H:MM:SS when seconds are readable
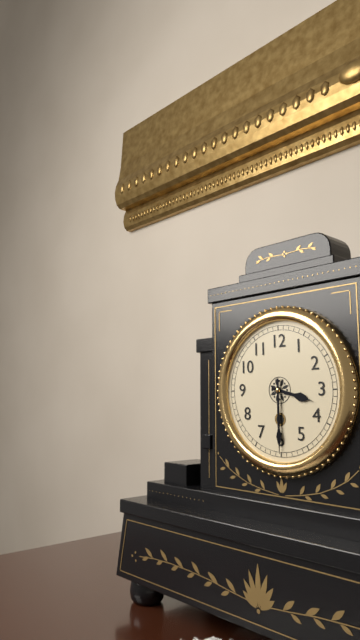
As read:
**3:30**
